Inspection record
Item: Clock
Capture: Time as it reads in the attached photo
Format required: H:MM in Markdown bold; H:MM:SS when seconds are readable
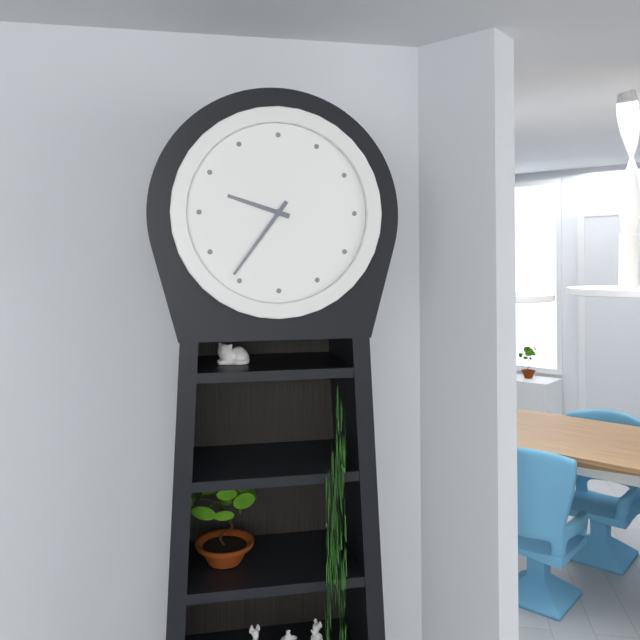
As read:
**9:36**
